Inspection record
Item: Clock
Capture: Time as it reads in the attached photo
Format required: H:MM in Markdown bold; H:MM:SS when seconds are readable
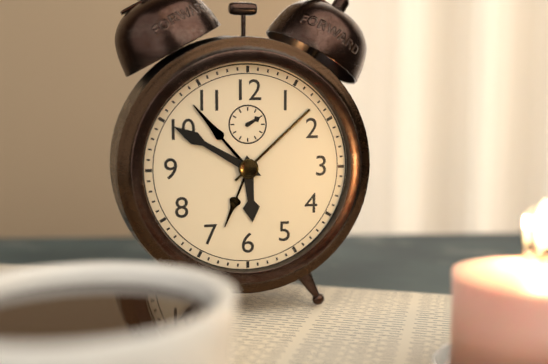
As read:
**5:50**
